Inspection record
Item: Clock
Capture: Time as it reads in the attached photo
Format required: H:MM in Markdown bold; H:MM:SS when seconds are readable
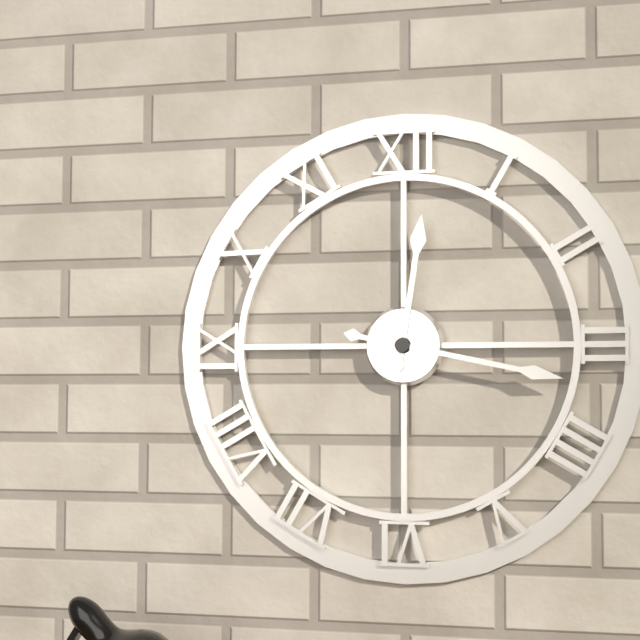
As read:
**12:17**
